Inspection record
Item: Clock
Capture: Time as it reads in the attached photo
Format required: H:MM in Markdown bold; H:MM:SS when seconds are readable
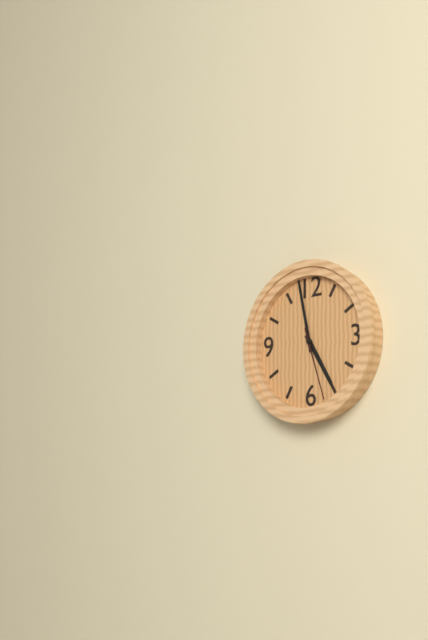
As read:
**4:58:27**
